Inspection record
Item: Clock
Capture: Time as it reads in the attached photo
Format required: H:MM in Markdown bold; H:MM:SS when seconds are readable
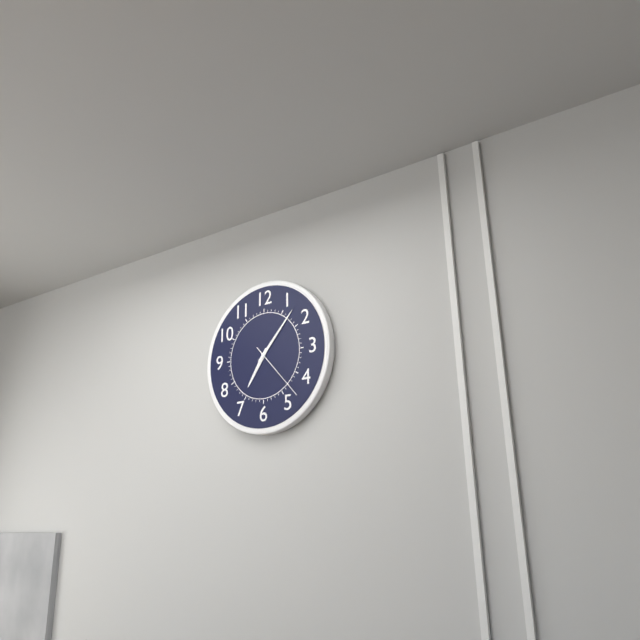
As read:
**7:07:23**
